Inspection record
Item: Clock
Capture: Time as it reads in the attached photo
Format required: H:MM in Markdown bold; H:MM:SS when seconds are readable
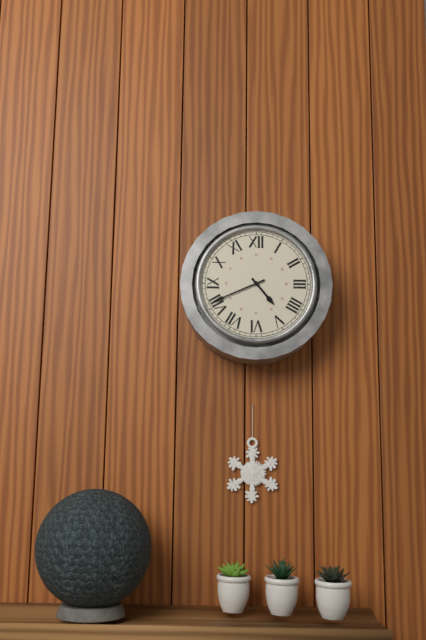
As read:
**4:41**
